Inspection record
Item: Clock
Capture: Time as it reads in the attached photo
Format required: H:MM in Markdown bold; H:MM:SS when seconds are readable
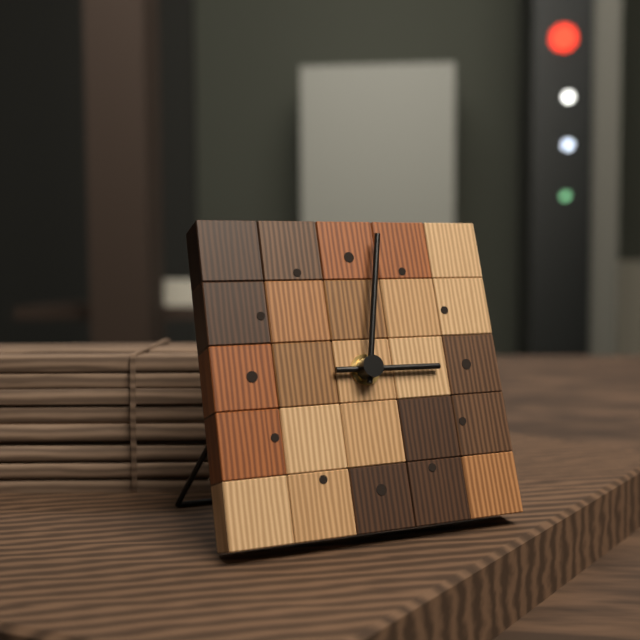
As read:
**3:02**
